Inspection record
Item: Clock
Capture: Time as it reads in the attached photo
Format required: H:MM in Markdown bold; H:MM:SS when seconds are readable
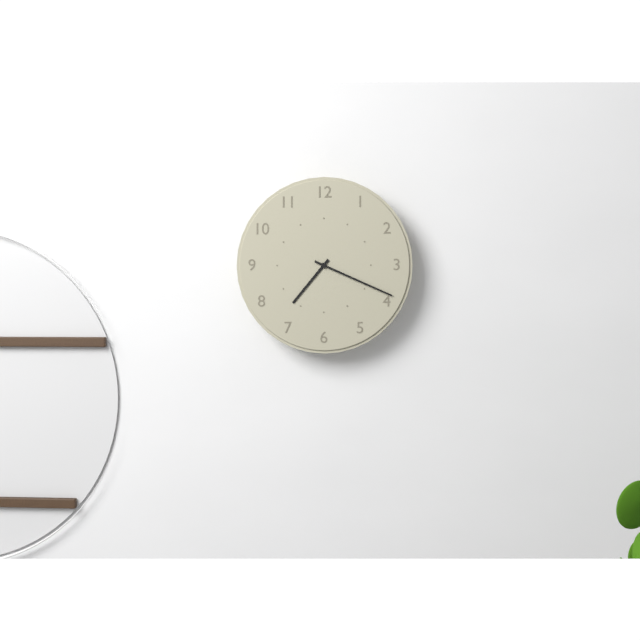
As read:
**7:19**
